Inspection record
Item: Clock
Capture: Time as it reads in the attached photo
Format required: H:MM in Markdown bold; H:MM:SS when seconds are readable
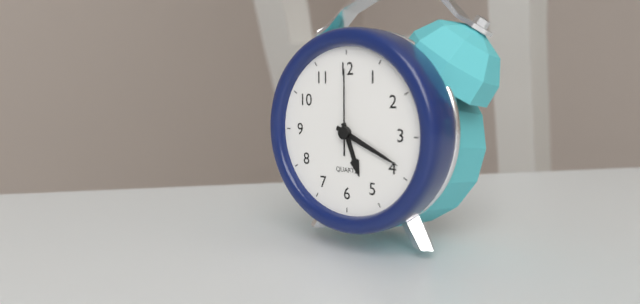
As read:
**5:19:00**
